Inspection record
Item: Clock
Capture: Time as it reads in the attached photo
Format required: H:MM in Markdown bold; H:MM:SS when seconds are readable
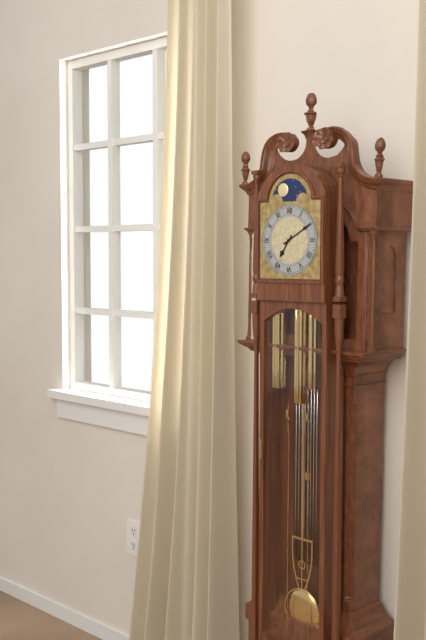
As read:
**7:10**
